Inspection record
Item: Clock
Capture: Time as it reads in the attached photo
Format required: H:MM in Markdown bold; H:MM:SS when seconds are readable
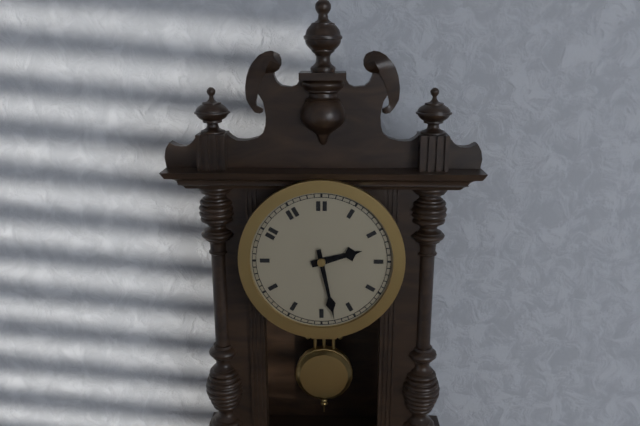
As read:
**2:28**
